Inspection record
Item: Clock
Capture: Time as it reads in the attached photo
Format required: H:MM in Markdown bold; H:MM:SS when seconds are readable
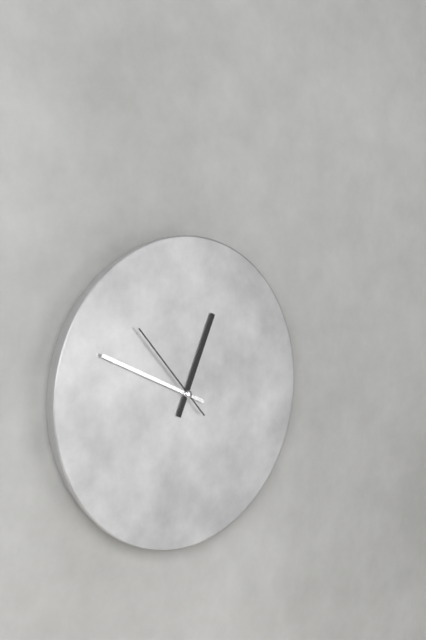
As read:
**12:49:53**
